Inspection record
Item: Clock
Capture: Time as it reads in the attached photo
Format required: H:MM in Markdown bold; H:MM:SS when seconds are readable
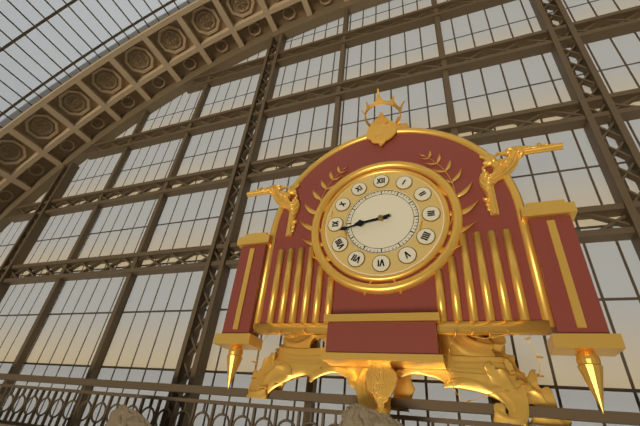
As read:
**8:43**
